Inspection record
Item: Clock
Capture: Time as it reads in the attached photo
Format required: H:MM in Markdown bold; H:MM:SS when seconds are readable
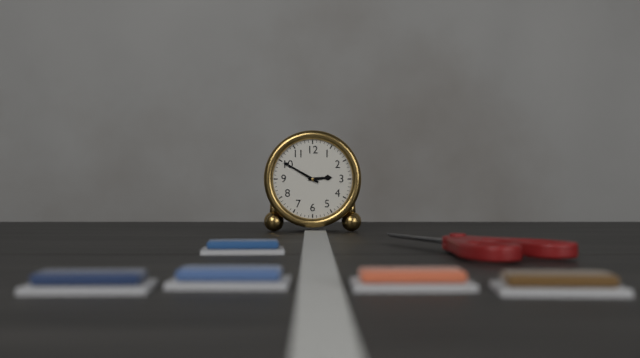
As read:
**2:50**
